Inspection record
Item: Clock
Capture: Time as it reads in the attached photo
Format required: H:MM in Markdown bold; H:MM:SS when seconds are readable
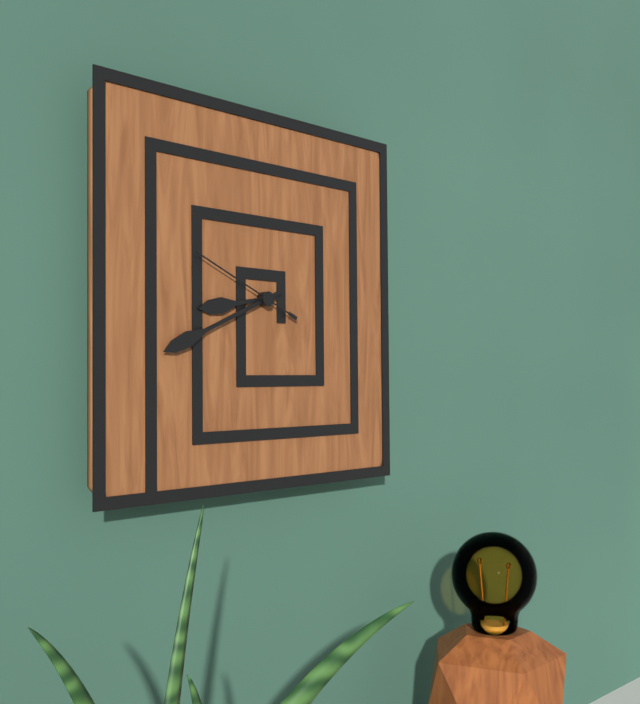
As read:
**8:41:49**
